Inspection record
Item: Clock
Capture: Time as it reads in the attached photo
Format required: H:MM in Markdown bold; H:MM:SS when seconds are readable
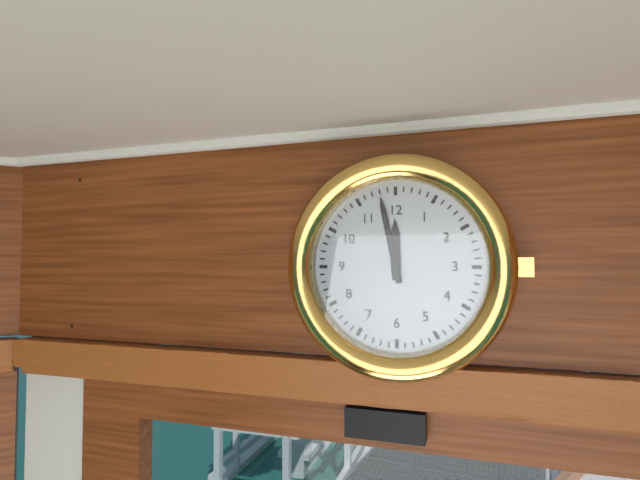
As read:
**11:58**
